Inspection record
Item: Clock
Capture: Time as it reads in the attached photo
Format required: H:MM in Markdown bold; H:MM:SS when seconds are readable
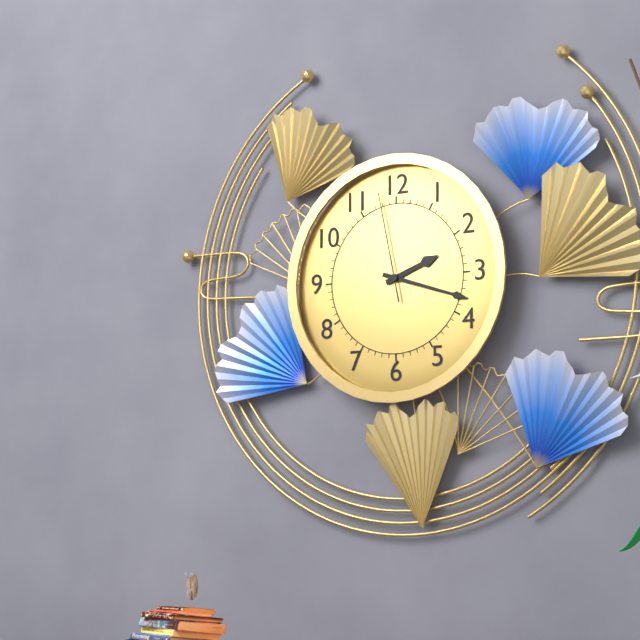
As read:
**2:18:58**
